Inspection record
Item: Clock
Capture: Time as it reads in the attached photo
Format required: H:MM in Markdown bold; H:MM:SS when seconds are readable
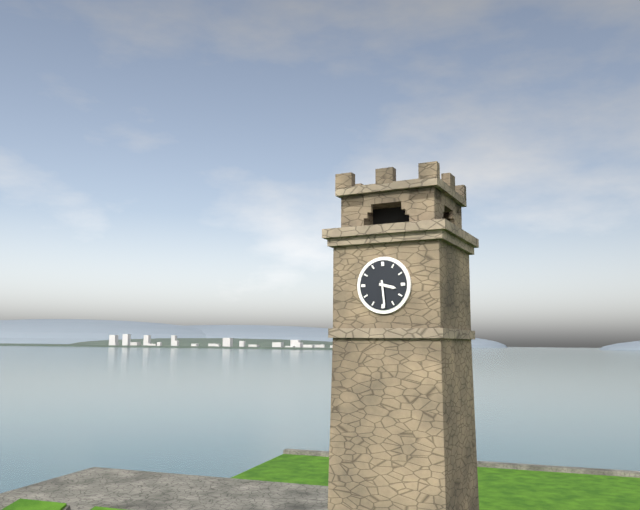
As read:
**3:29**
